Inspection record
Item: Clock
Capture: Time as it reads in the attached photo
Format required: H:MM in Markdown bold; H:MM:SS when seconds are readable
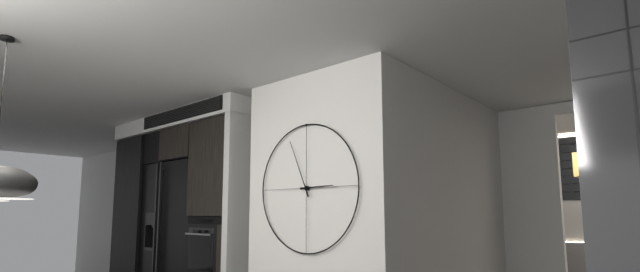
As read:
**2:56**
